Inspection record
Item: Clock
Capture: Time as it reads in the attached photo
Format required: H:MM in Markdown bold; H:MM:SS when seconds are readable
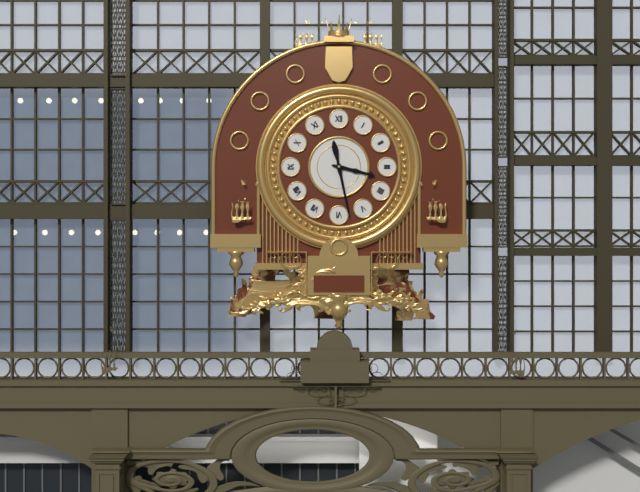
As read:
**3:28**
